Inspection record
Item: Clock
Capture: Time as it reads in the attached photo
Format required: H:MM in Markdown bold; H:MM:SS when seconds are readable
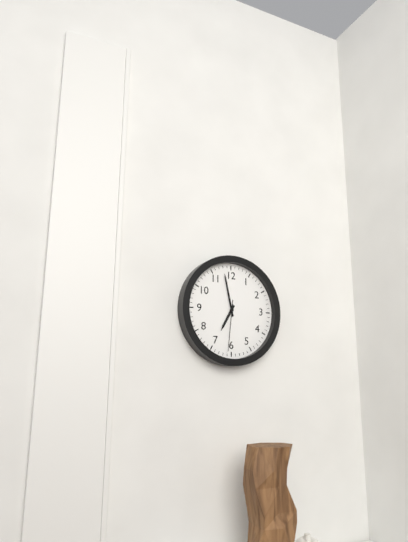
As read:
**6:58:31**
